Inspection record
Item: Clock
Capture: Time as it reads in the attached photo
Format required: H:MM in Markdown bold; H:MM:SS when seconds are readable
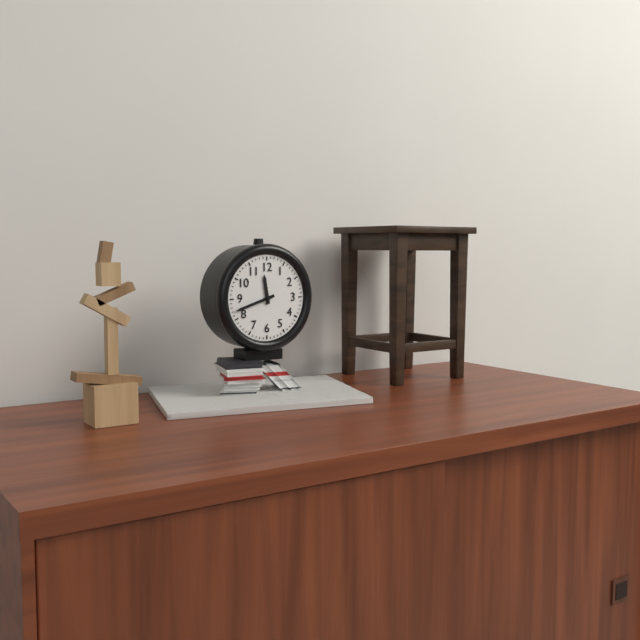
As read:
**11:42**
